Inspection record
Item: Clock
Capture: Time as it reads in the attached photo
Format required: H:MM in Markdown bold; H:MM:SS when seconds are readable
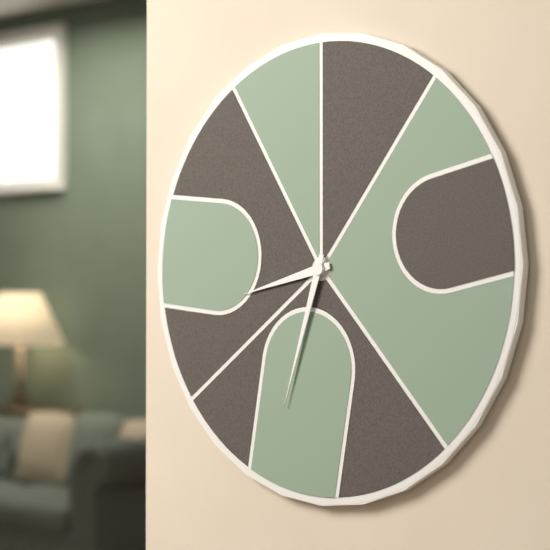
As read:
**8:33**
